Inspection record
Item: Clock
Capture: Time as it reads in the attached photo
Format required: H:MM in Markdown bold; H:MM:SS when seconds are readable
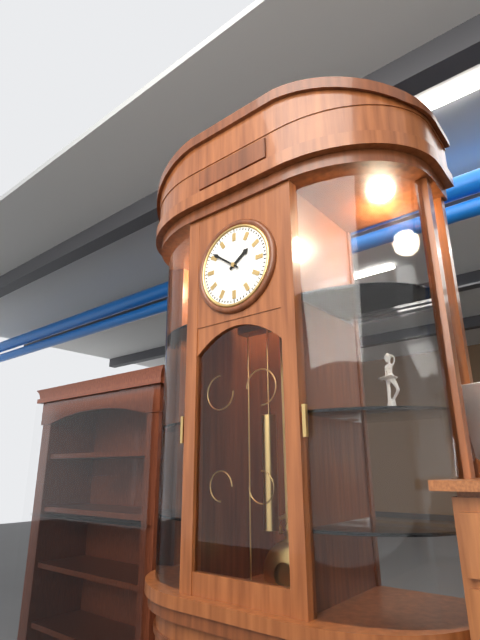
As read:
**1:51**
